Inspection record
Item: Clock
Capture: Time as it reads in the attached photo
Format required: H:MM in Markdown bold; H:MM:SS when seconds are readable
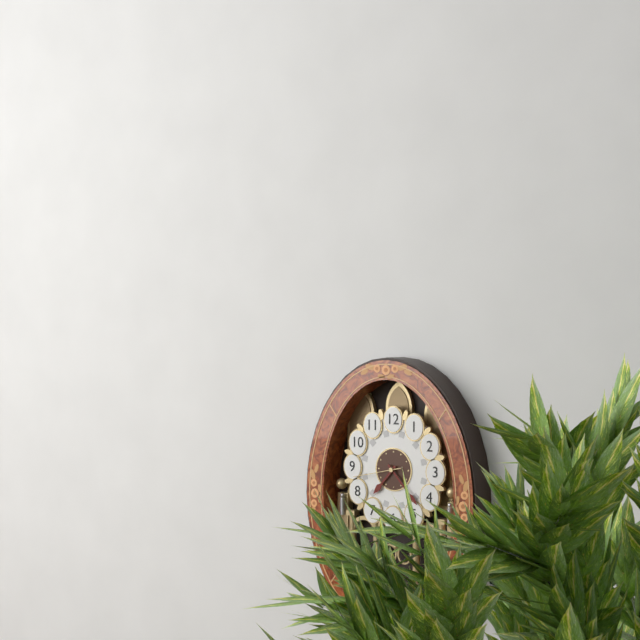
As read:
**7:23**
